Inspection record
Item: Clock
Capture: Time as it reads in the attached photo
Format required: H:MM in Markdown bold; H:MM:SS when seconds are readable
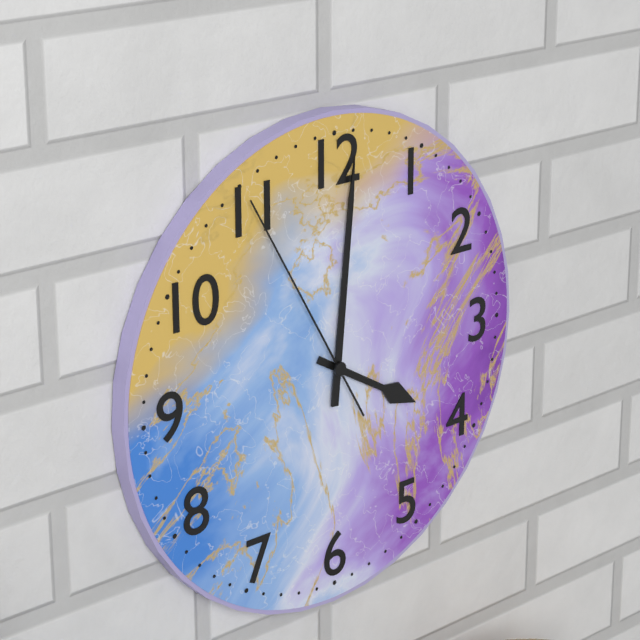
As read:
**4:01:55**
